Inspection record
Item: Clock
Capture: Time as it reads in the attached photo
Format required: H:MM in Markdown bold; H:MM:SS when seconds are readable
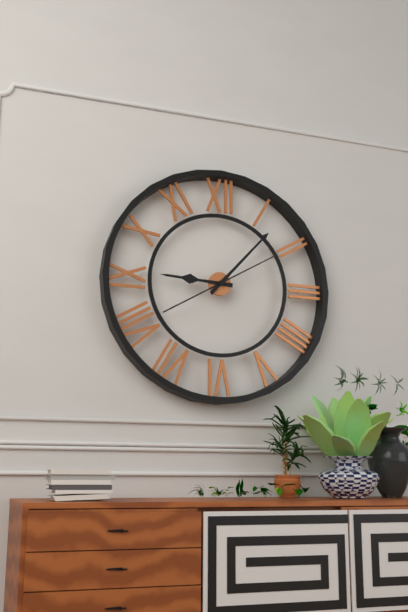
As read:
**9:07:10**
